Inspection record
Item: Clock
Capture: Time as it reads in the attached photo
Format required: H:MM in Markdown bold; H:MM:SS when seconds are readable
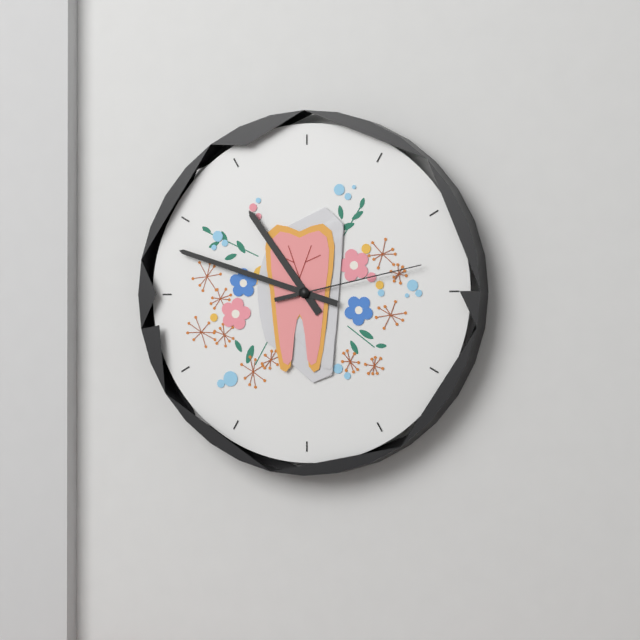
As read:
**10:48:13**
